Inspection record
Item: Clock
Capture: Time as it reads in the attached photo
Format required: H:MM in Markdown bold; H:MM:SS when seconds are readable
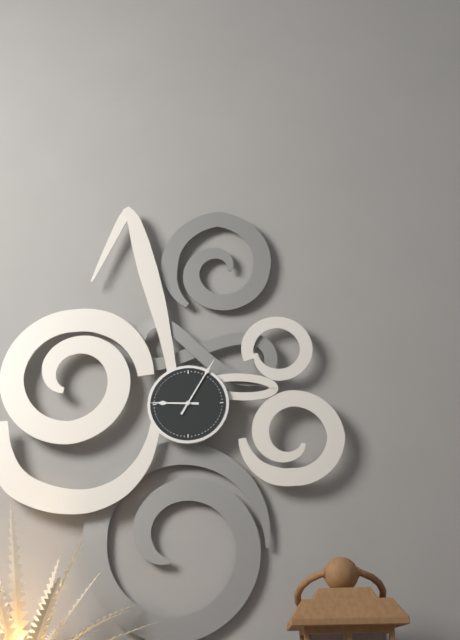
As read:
**9:05**
